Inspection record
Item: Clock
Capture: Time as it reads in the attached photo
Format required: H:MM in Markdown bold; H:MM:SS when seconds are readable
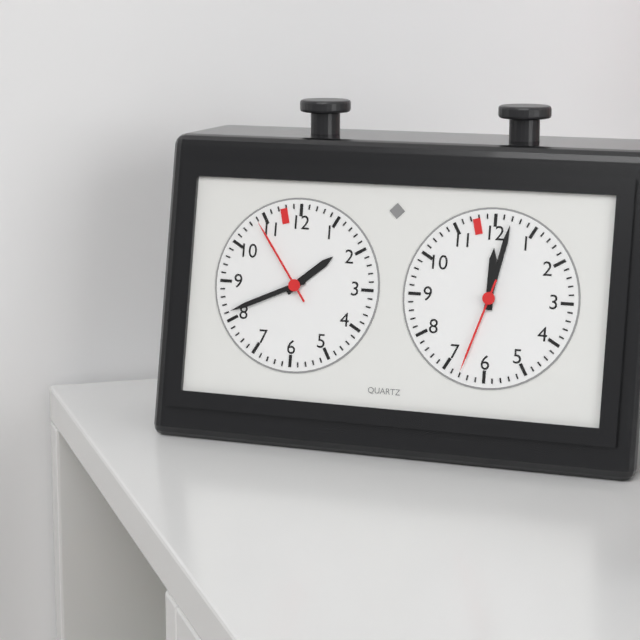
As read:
**1:41:54**
